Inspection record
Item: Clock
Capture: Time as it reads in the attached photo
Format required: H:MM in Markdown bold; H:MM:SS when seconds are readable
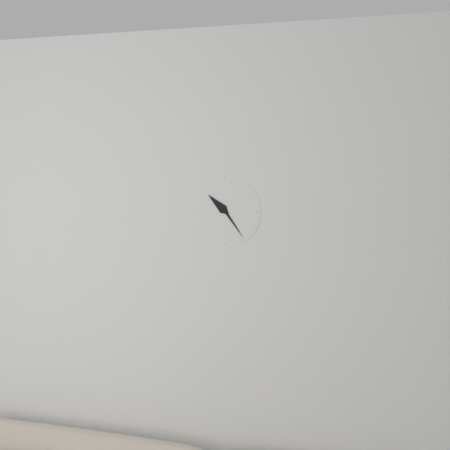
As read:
**10:24**
